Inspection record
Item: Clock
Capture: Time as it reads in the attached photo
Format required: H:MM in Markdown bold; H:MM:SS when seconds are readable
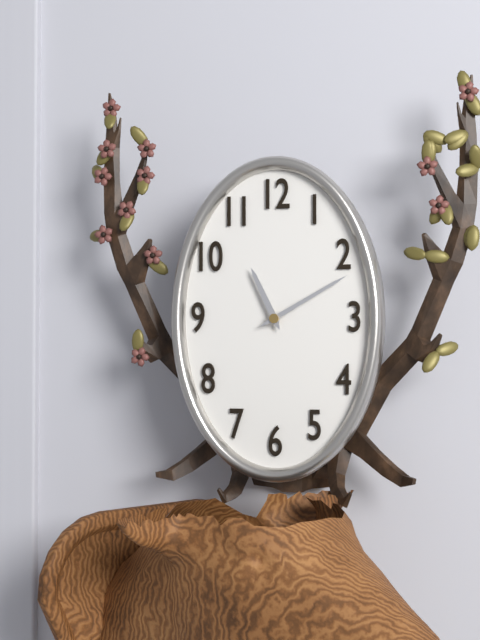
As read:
**11:10**
